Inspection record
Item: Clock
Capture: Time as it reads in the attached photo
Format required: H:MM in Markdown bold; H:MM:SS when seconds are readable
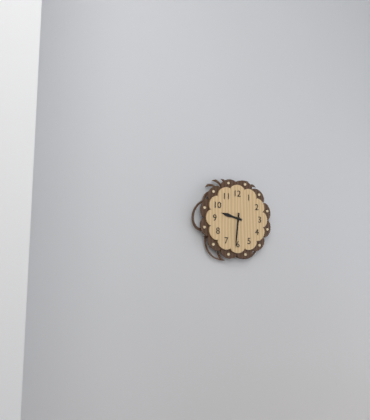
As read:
**9:31**
